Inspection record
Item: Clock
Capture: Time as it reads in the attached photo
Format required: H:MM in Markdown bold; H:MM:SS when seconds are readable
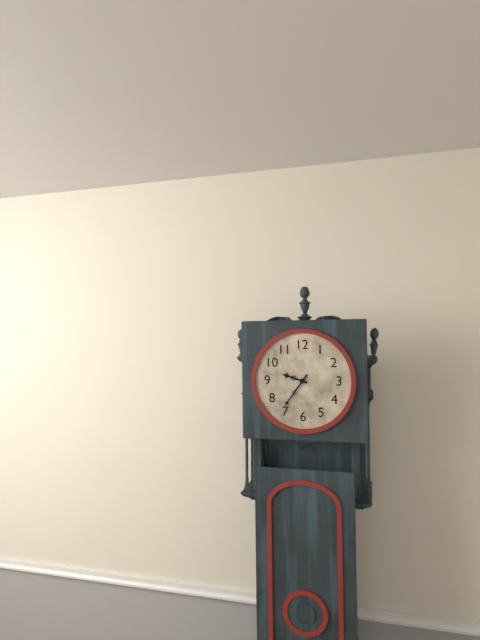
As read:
**9:36**
